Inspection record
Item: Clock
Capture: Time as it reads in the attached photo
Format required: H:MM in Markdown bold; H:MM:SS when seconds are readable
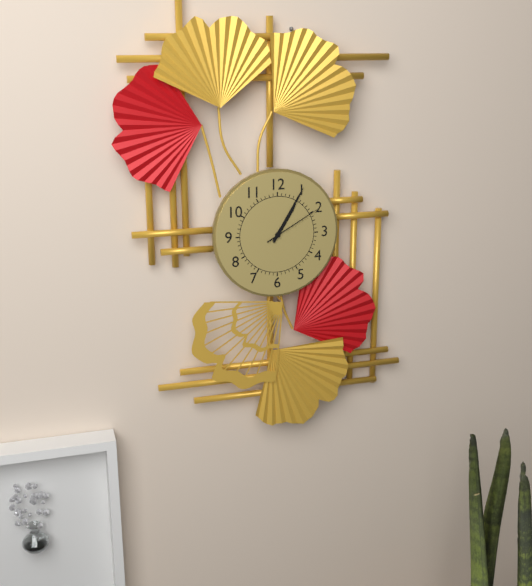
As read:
**1:05:10**
